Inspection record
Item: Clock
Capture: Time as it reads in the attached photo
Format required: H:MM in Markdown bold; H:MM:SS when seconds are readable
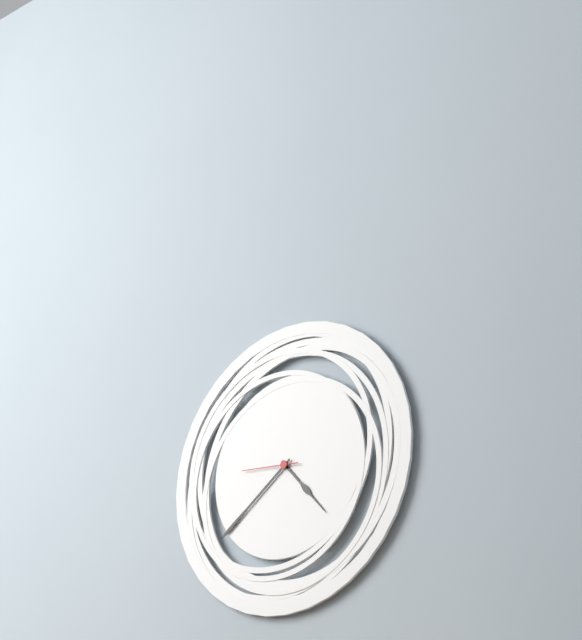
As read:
**4:39:46**
